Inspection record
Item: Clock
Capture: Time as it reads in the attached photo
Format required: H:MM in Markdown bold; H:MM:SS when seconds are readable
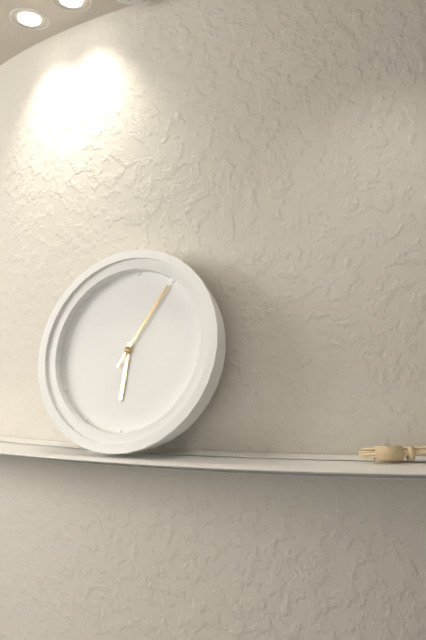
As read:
**6:05**
